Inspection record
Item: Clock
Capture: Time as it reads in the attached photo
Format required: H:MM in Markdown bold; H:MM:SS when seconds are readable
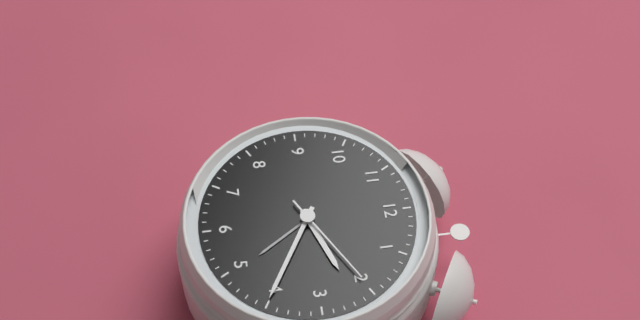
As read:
**2:20:10**
